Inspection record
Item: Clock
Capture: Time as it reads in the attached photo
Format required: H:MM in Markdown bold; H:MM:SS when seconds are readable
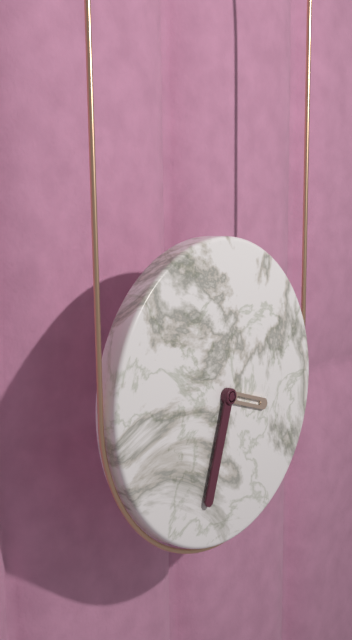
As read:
**3:33**
